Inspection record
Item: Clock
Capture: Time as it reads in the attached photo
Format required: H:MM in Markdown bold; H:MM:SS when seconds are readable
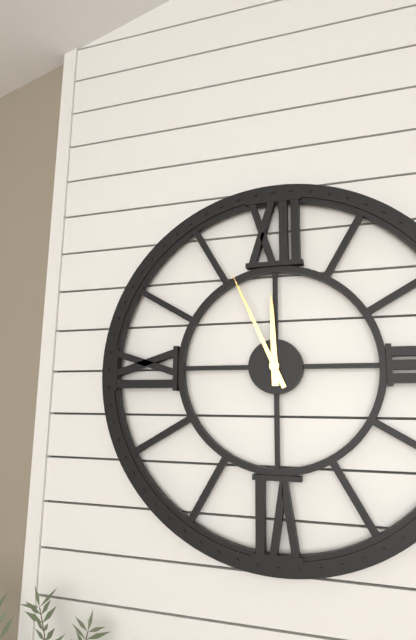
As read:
**11:56**
